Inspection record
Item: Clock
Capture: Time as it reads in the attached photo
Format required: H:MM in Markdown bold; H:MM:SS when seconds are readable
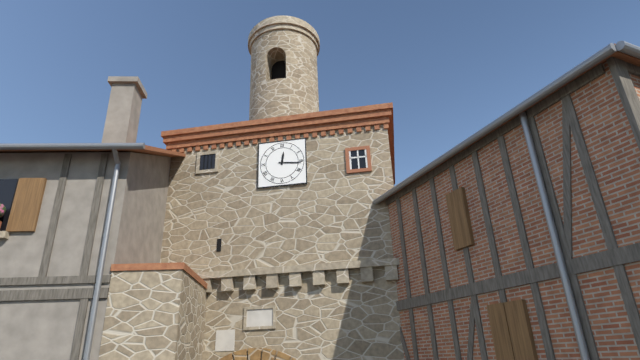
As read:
**12:16**
